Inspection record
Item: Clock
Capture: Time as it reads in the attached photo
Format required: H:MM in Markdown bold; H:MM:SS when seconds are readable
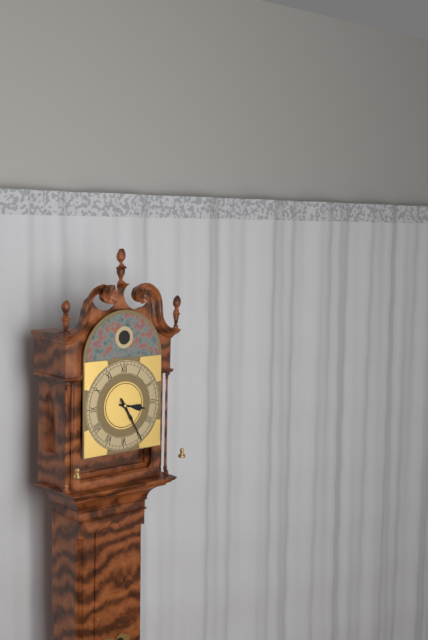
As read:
**3:25**
